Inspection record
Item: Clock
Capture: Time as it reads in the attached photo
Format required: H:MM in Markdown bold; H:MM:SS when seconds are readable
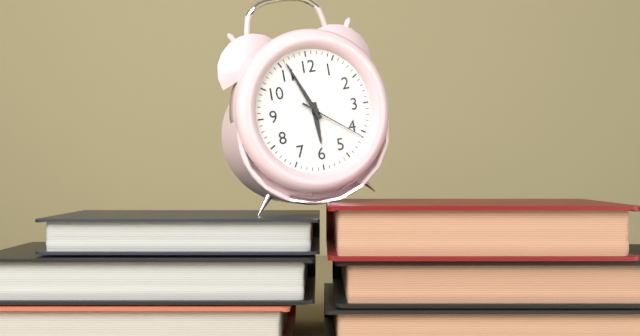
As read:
**5:56:21**
